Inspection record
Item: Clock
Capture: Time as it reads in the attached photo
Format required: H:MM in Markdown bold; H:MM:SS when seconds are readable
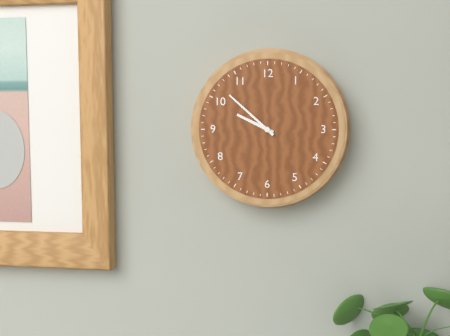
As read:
**9:52**
